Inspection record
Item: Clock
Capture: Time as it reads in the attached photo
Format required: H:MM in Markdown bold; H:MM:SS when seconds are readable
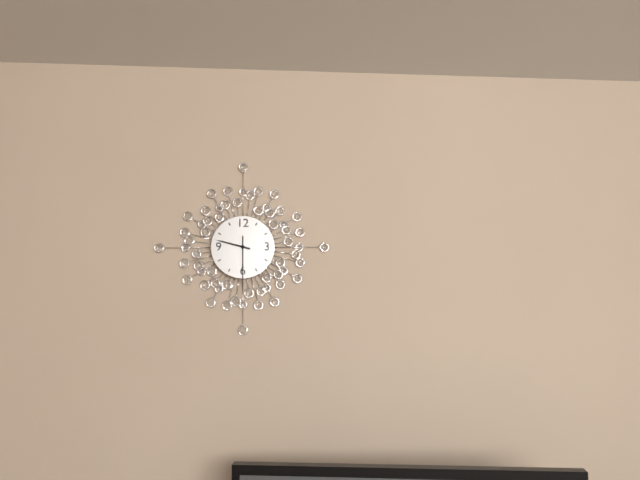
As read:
**9:30**
